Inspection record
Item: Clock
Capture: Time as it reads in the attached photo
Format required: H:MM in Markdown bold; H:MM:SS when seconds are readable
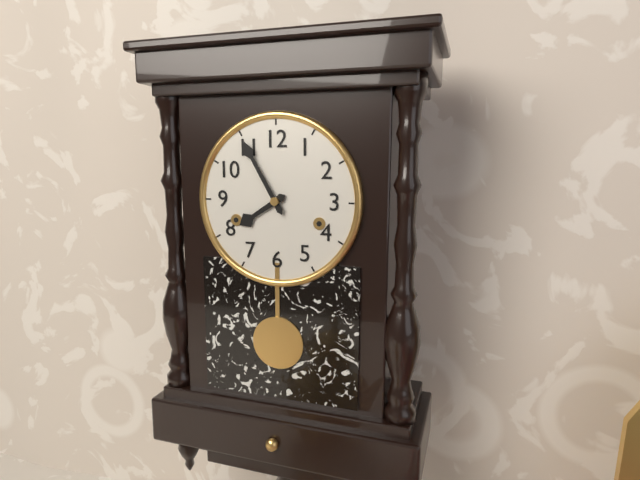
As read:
**7:55**
